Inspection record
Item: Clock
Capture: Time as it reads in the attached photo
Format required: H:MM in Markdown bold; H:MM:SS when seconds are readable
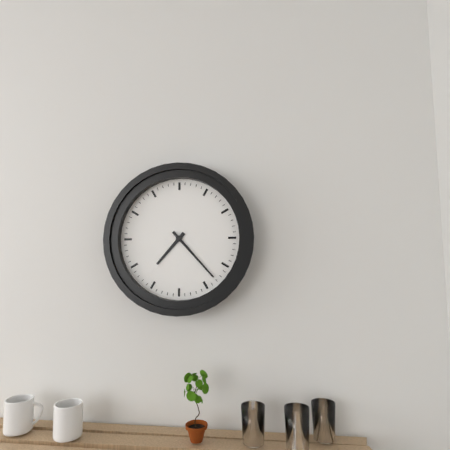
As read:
**7:23**
